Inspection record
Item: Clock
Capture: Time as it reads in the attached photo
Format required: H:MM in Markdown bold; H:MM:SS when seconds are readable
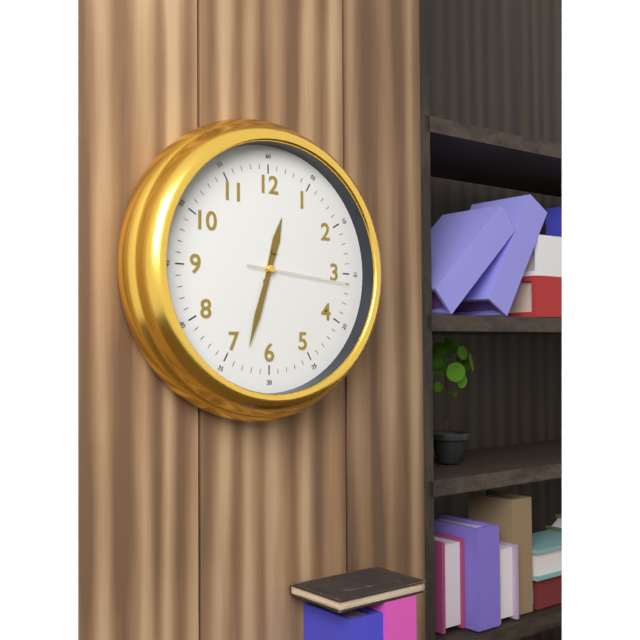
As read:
**12:33:16**
